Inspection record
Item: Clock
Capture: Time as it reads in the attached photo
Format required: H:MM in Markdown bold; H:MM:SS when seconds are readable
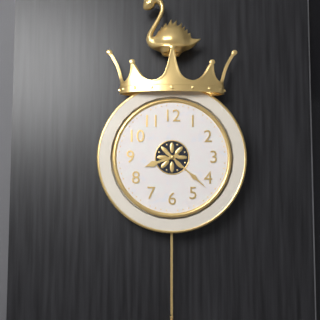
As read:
**8:22**
